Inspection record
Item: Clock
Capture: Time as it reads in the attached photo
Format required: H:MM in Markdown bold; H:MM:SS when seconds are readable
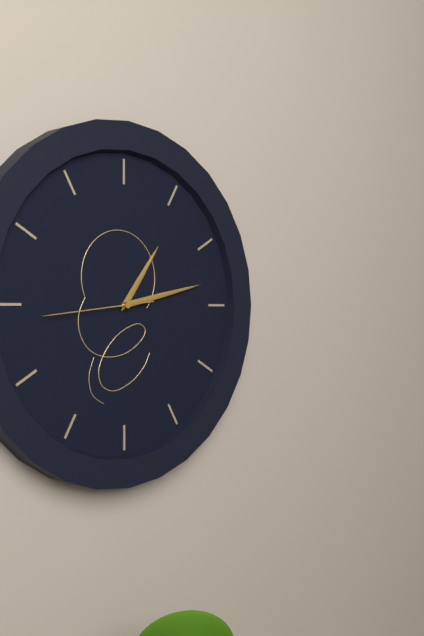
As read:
**1:13:44**
